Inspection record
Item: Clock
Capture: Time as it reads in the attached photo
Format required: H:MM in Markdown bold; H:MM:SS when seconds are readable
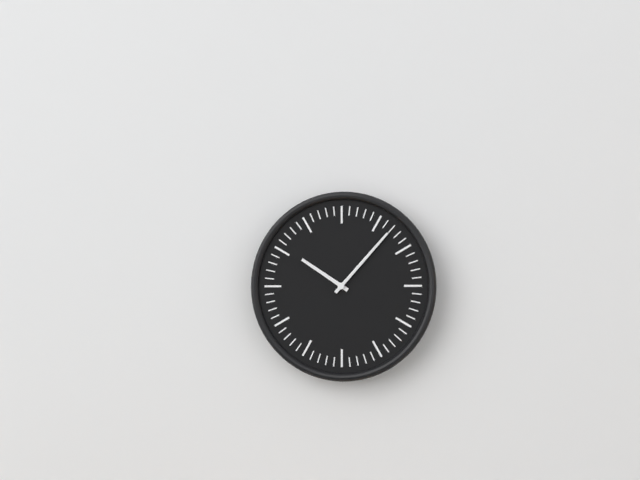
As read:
**10:07**
